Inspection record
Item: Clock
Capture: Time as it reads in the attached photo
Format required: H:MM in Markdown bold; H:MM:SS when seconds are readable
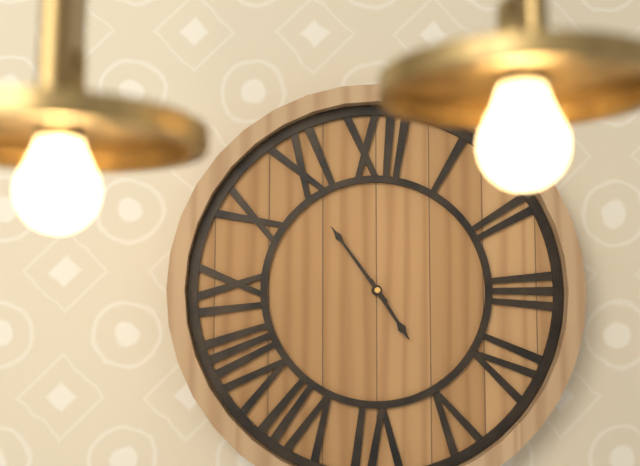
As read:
**4:54**
